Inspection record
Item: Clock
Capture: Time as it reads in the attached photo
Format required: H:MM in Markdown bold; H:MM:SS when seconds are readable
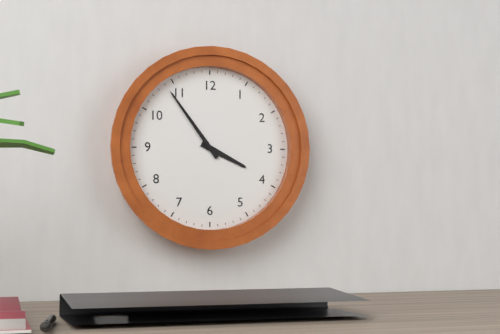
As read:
**3:54**
